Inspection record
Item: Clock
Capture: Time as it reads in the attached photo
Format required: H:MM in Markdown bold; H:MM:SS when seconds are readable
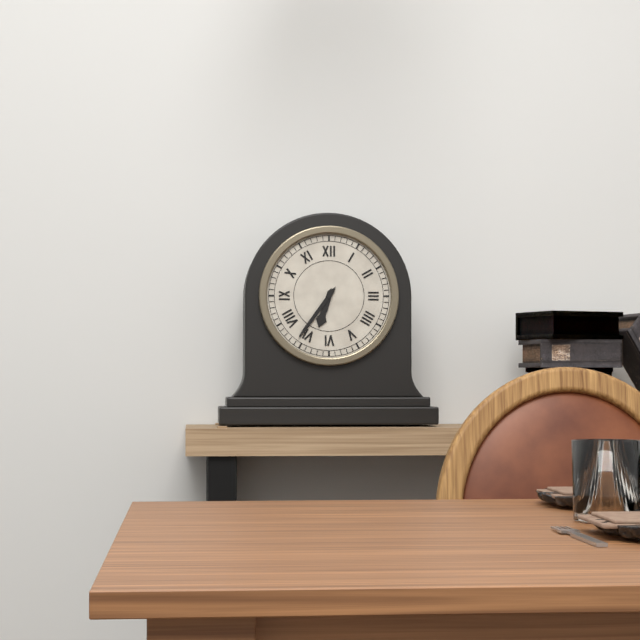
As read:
**6:36**
